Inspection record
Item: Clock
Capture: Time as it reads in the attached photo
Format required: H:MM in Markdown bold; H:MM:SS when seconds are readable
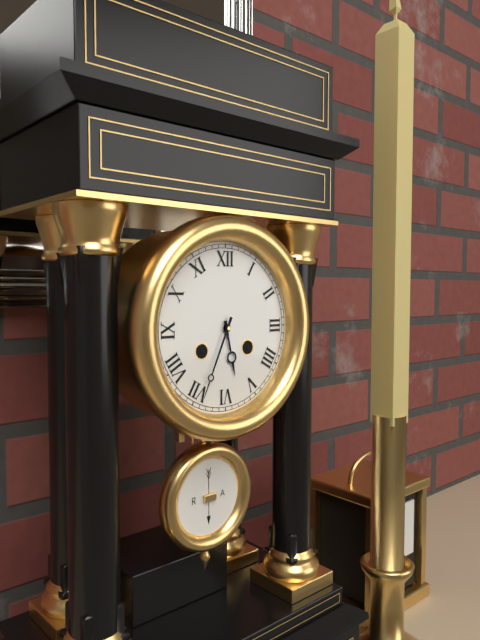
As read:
**5:34**
